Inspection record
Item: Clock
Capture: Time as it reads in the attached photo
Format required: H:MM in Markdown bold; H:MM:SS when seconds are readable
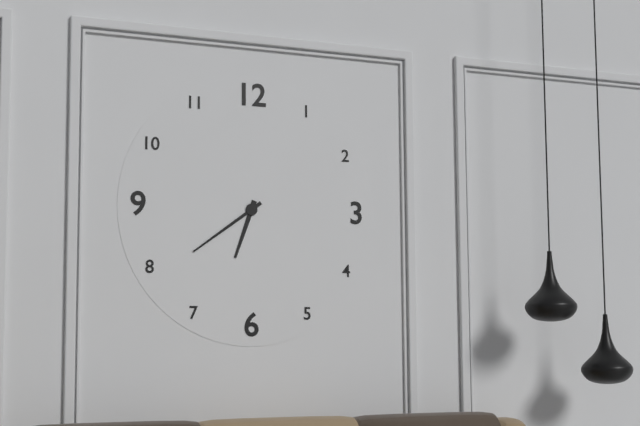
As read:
**6:39**
